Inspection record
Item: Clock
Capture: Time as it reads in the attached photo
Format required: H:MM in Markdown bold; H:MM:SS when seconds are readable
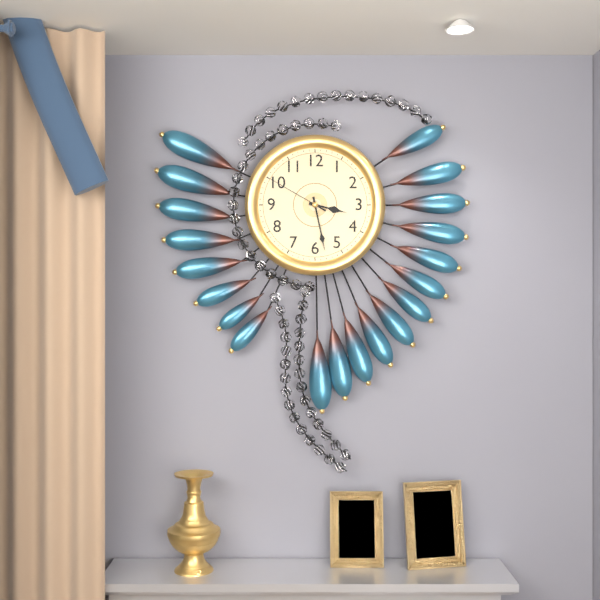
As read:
**3:28:50**
